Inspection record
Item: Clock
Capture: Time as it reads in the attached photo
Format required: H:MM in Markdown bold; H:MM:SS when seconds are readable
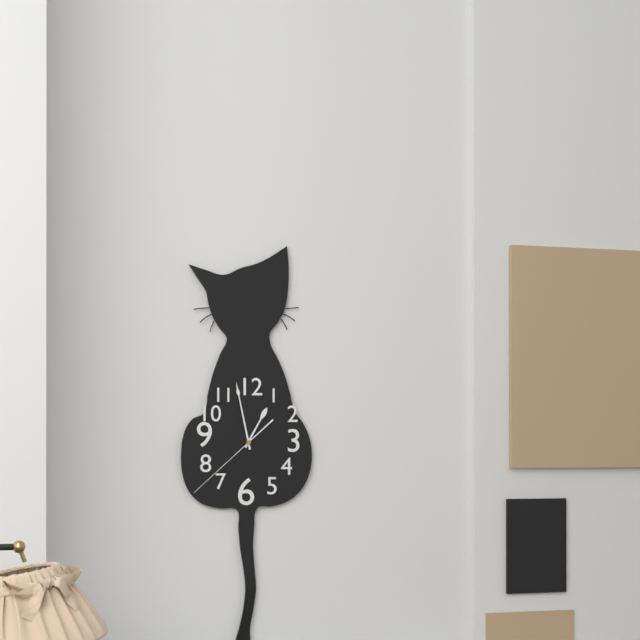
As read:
**12:58:38**
